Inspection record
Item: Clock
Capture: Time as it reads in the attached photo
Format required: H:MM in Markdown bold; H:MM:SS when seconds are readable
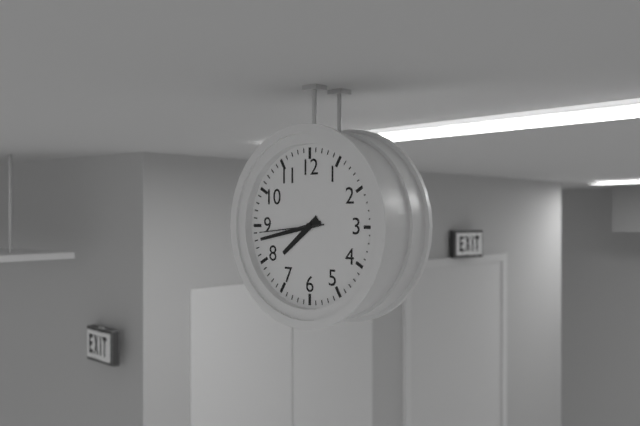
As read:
**7:43:44**
